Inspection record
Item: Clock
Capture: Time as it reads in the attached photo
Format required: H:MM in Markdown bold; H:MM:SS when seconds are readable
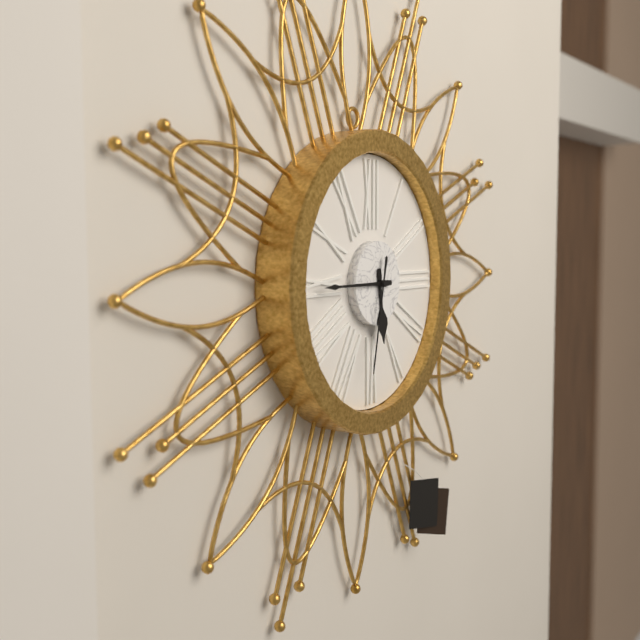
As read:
**5:45:32**
